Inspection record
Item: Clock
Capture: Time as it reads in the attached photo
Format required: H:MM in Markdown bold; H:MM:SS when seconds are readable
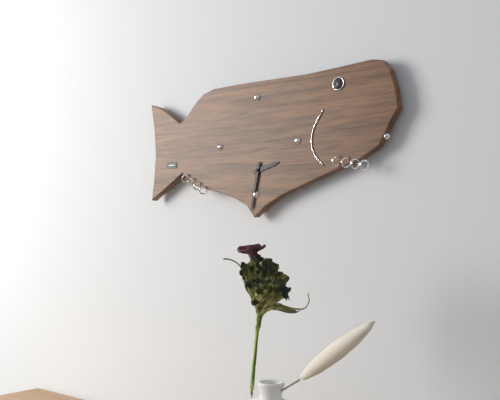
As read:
**2:32**
